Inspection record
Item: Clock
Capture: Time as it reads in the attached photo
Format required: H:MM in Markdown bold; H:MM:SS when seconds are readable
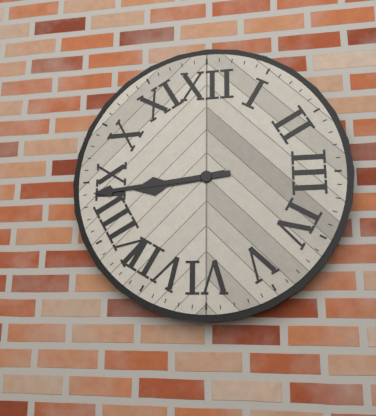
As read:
**8:44**
